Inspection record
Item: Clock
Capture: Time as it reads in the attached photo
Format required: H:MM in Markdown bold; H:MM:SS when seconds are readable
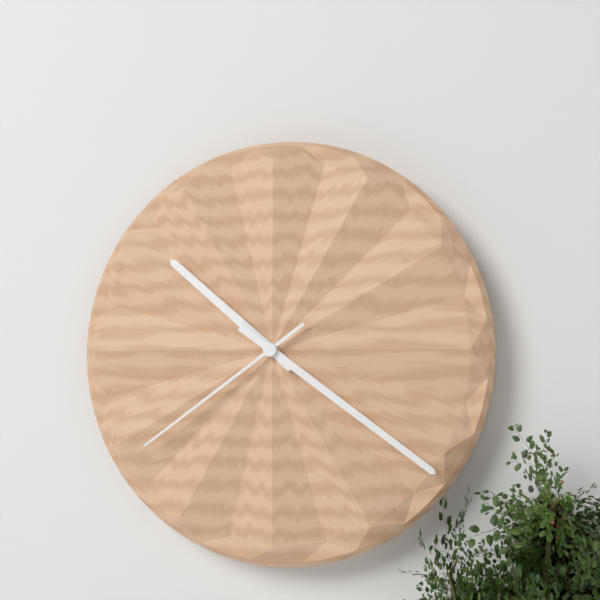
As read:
**10:21:39**
